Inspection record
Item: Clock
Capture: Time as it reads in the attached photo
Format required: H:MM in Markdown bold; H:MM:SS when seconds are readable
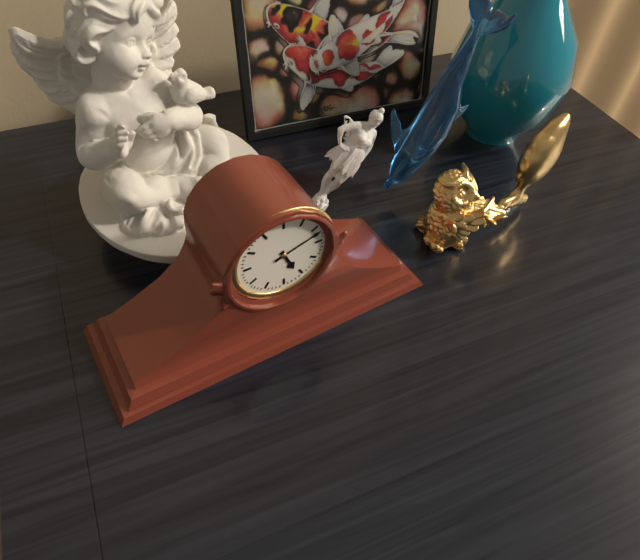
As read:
**5:12**
